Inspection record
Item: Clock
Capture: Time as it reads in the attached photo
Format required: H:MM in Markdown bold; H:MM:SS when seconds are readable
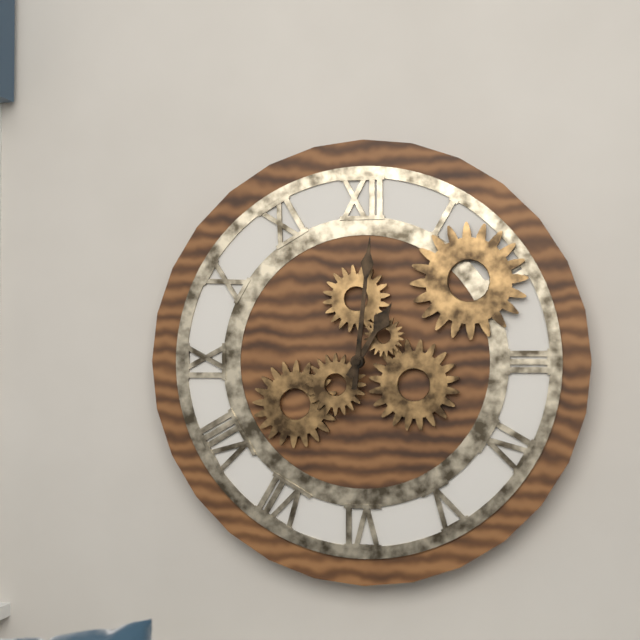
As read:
**1:01**
